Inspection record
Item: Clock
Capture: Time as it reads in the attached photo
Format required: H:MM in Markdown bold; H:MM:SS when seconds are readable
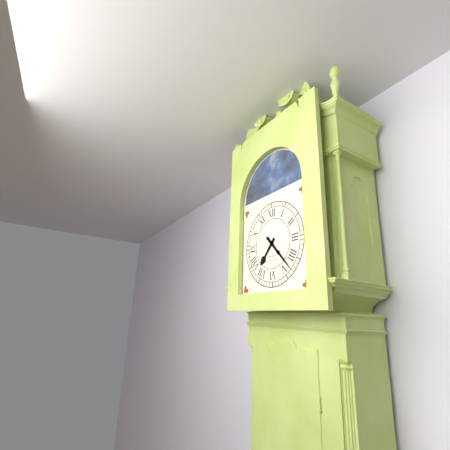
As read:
**7:23**
